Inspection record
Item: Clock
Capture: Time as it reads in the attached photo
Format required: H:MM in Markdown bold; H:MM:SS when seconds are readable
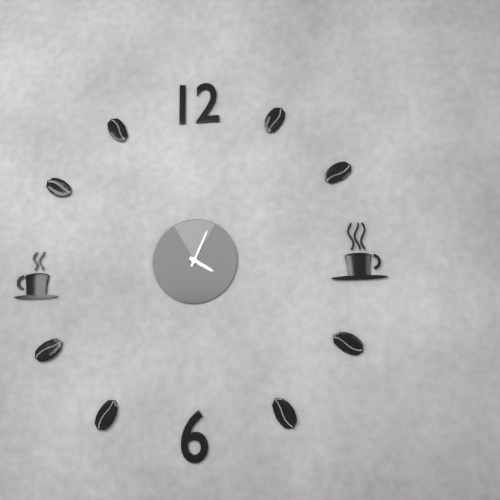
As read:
**4:04**
